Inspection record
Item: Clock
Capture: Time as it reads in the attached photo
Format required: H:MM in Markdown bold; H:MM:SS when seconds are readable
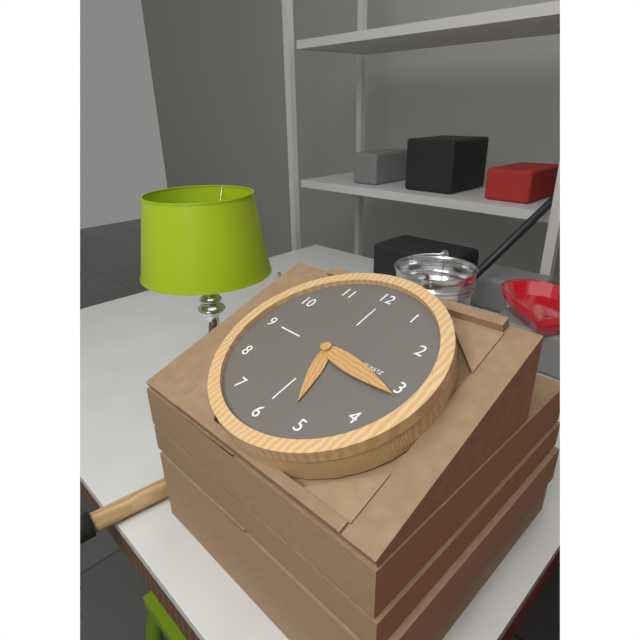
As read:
**5:16**
